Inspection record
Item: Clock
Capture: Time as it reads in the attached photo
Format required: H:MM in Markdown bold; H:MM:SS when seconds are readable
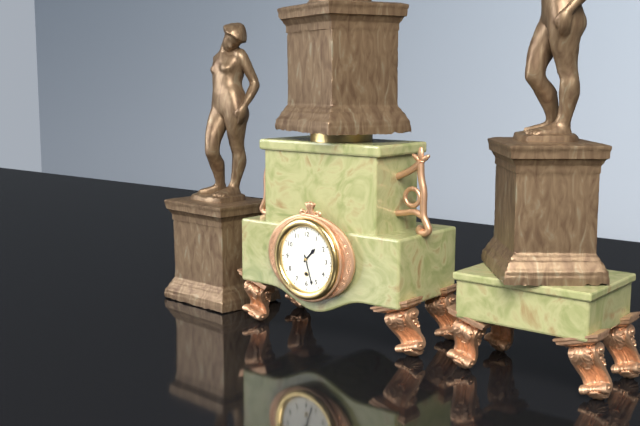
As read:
**1:27**
